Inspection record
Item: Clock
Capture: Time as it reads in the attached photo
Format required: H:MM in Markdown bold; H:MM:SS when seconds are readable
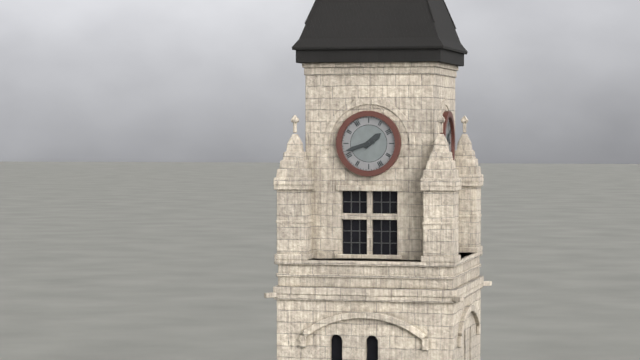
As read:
**1:42**
